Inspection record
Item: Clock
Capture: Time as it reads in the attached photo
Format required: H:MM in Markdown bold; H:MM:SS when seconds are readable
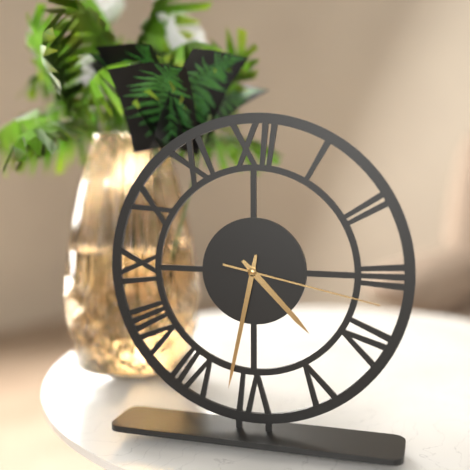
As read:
**4:32:17**
